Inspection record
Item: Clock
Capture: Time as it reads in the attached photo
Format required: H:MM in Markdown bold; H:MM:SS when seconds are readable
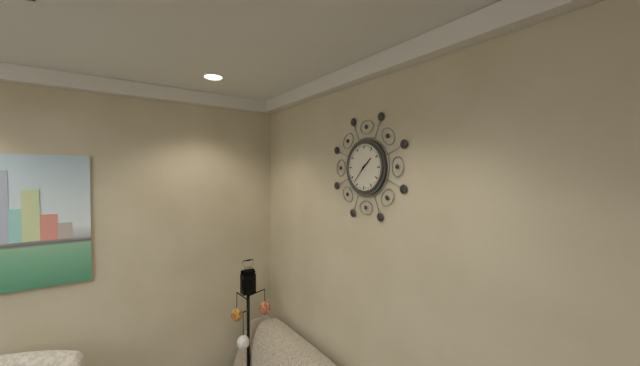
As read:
**1:37**
